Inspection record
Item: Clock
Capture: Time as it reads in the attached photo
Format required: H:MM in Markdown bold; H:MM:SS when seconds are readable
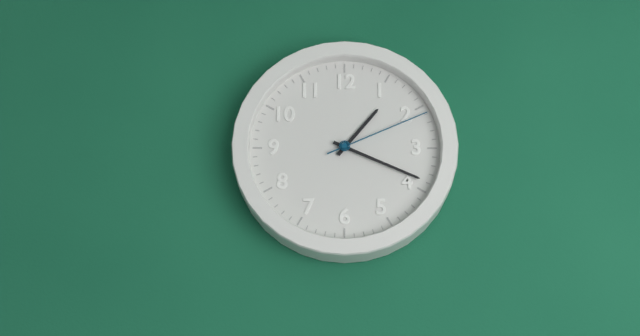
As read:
**1:19:11**
